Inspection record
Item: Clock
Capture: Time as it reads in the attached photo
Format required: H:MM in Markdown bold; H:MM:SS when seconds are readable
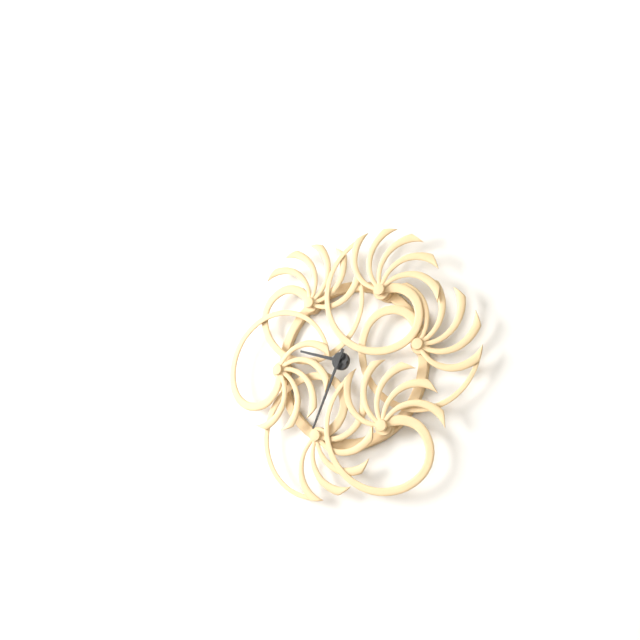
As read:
**9:34**
